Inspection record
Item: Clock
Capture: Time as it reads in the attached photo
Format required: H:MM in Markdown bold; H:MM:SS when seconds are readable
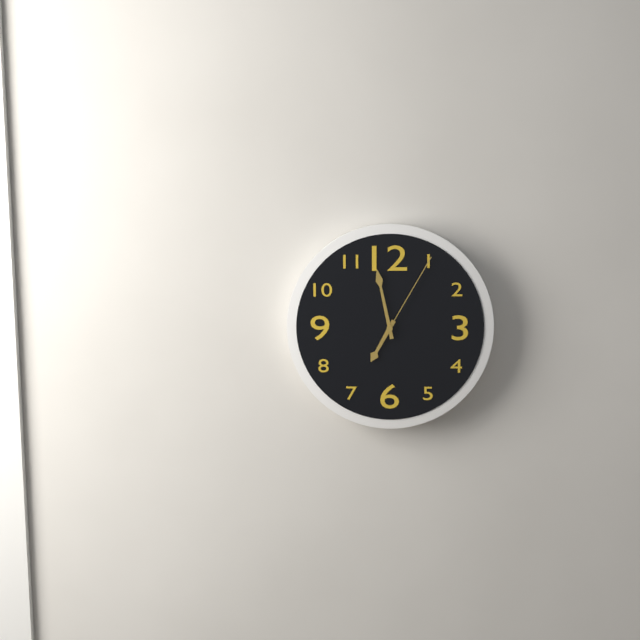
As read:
**6:58:05**
